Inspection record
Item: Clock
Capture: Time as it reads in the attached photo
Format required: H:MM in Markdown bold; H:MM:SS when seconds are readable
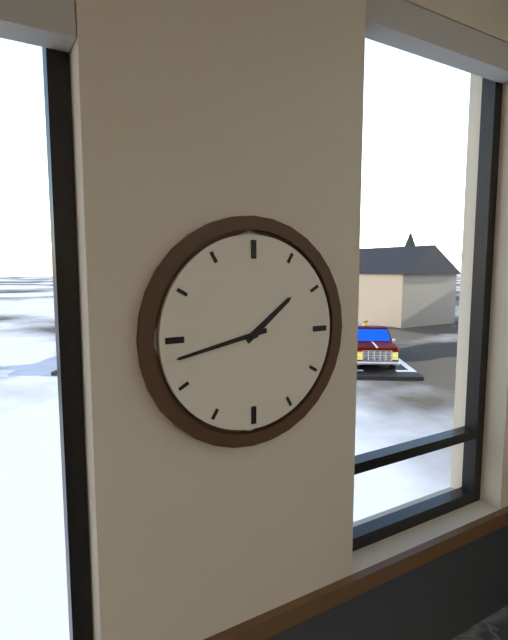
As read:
**1:43**
